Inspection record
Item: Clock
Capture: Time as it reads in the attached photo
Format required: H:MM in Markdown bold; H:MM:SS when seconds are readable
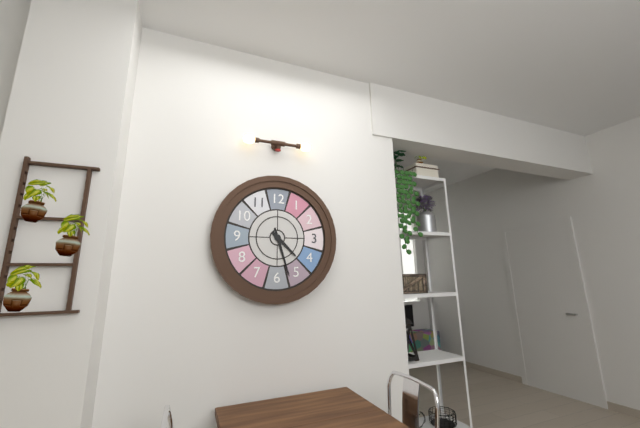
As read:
**4:27**
